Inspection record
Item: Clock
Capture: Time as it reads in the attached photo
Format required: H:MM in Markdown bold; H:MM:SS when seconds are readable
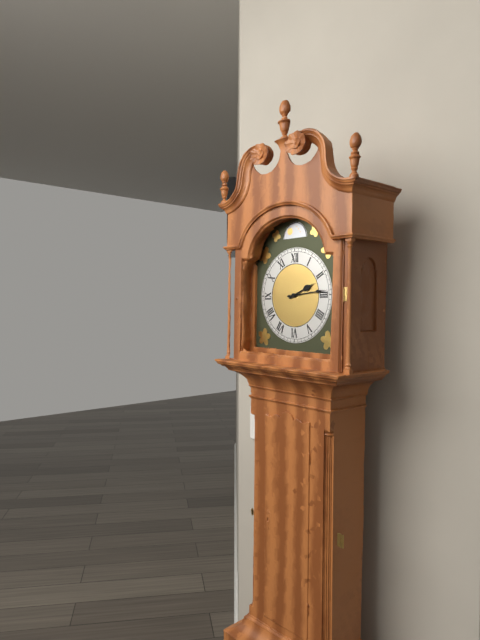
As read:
**2:14**
